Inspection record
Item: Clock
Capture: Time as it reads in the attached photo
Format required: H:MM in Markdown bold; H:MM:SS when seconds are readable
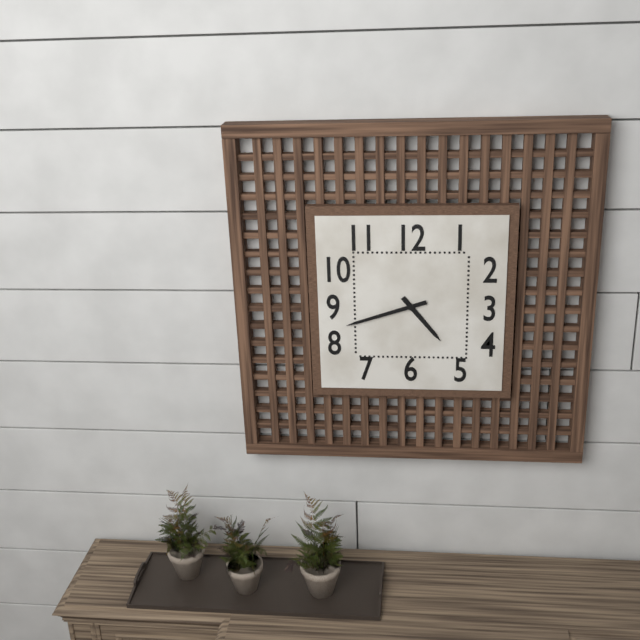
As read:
**4:42**
